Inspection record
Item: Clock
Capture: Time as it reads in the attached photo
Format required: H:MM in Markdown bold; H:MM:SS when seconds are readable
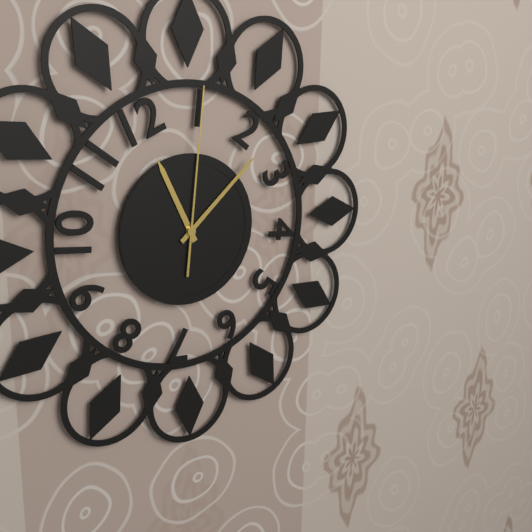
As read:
**11:08:01**
